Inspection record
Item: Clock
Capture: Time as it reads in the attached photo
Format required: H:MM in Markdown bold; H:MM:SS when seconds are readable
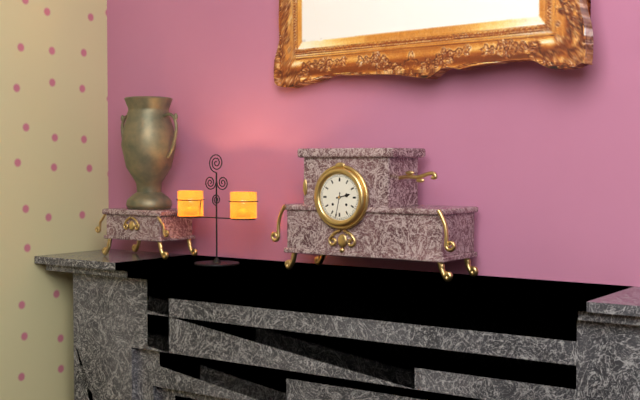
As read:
**2:32**
